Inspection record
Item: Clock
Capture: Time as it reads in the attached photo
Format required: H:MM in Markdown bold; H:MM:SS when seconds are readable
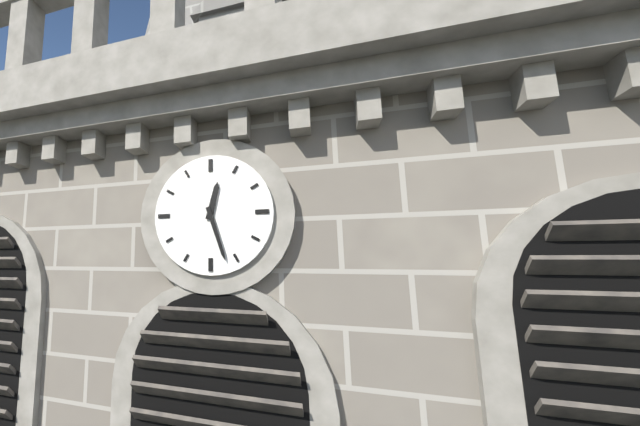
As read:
**12:27**
